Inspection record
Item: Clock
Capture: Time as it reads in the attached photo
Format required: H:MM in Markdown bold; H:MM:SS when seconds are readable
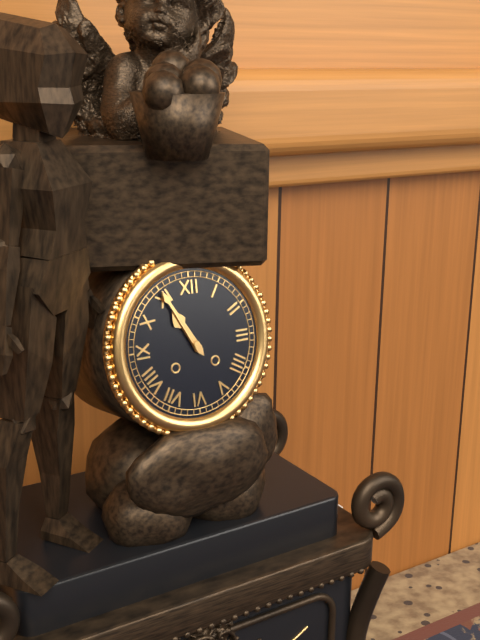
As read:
**10:55**
